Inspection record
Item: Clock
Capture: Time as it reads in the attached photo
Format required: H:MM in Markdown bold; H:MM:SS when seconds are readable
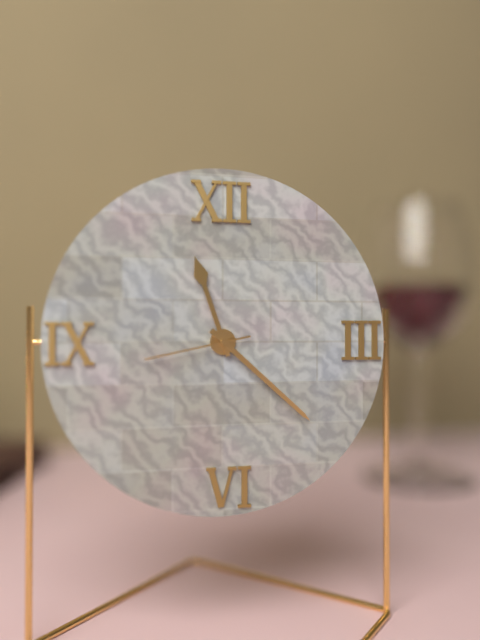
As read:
**11:22:43**
